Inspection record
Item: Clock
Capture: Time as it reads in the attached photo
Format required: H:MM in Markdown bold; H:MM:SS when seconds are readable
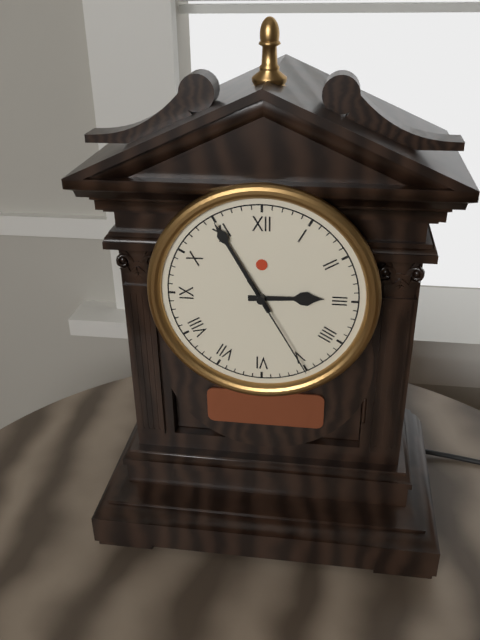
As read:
**2:55:25**
